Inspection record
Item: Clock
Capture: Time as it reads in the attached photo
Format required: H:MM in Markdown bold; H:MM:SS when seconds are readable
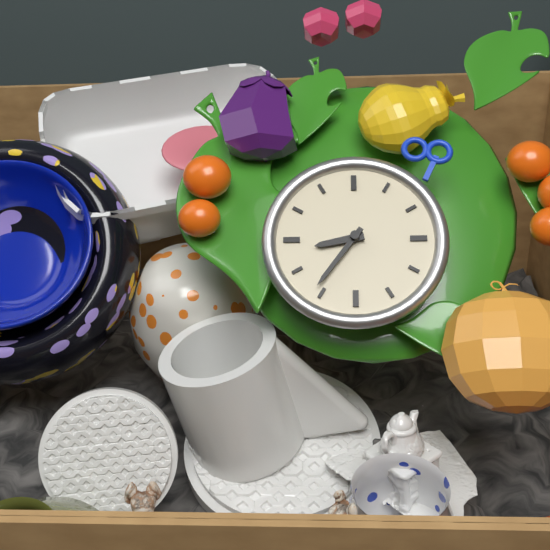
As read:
**8:36**
